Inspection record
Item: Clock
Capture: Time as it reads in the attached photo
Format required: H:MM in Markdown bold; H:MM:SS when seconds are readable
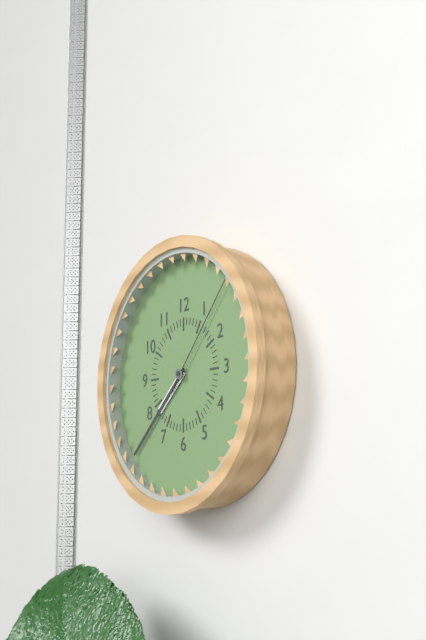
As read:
**7:38:07**
